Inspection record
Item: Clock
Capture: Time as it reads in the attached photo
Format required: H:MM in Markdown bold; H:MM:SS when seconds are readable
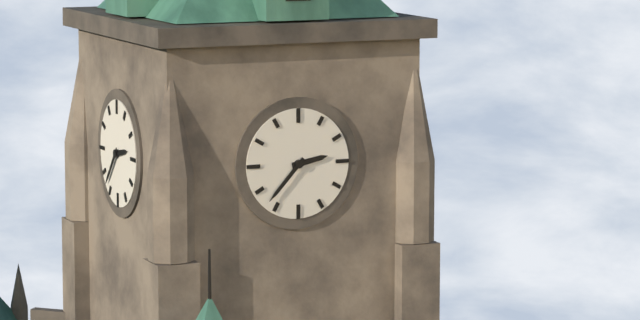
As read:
**2:37**
